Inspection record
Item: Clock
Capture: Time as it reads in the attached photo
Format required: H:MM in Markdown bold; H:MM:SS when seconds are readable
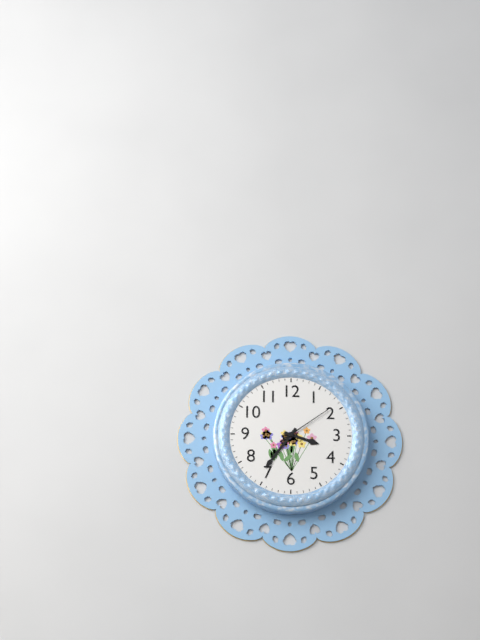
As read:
**3:36:09**
